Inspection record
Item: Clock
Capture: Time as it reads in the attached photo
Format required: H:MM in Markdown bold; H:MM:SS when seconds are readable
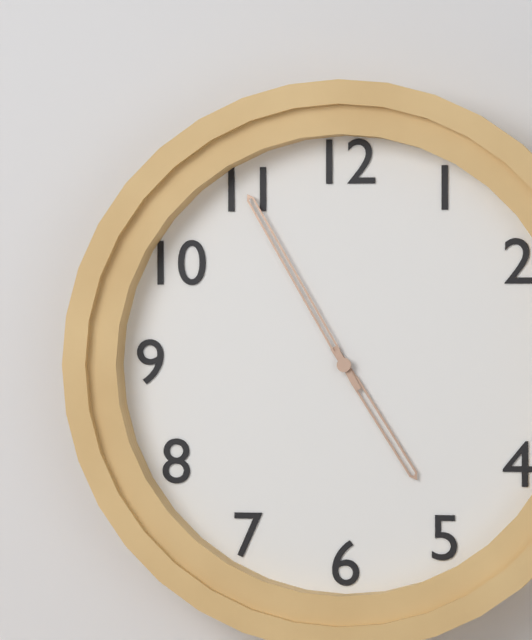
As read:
**4:55**
